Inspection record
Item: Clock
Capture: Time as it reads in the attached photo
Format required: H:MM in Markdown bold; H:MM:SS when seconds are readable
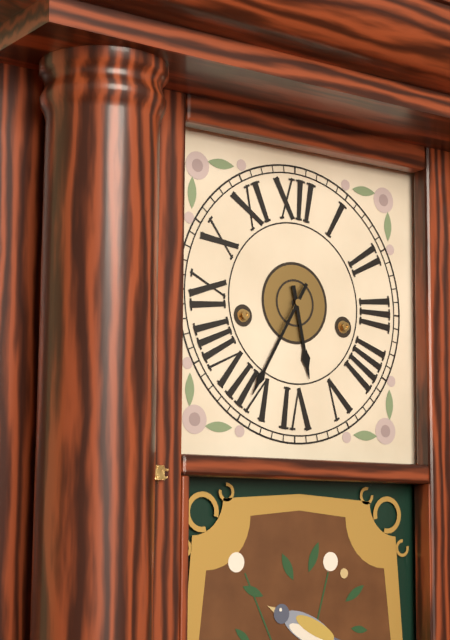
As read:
**5:35**
